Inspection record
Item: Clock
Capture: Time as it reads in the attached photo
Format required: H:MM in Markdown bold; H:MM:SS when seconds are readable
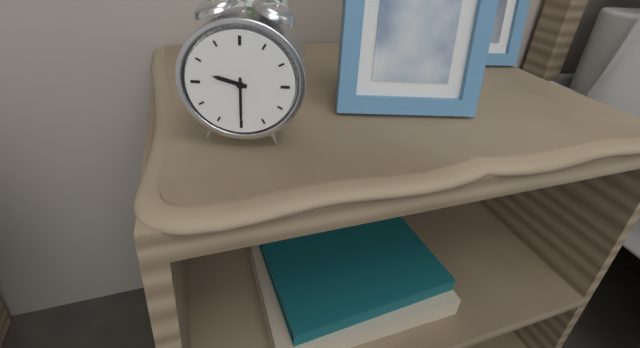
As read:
**9:30**
